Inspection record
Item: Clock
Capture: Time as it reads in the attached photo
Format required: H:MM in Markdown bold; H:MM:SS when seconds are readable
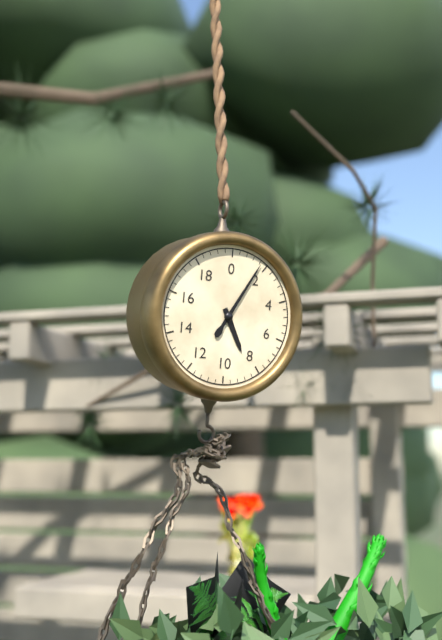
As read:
**5:05**
